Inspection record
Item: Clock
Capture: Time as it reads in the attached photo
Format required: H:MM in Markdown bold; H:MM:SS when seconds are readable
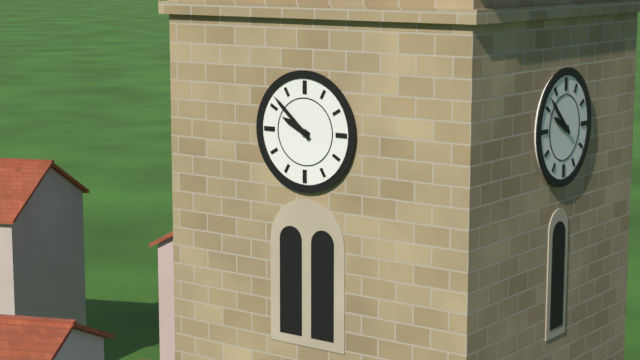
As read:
**9:52**
